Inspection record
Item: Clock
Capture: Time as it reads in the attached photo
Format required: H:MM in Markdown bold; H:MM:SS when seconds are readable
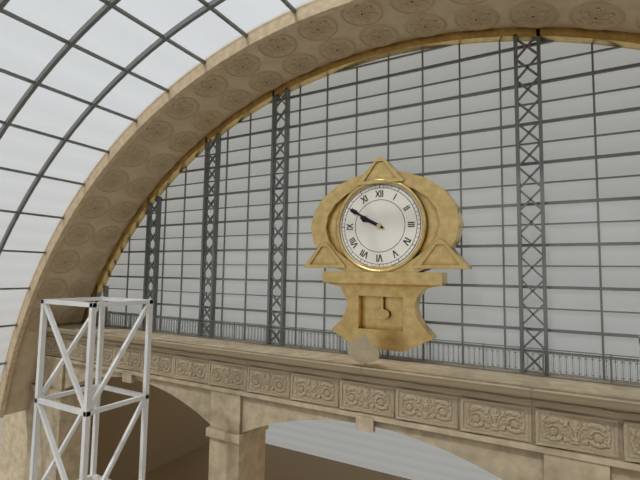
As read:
**9:50**
